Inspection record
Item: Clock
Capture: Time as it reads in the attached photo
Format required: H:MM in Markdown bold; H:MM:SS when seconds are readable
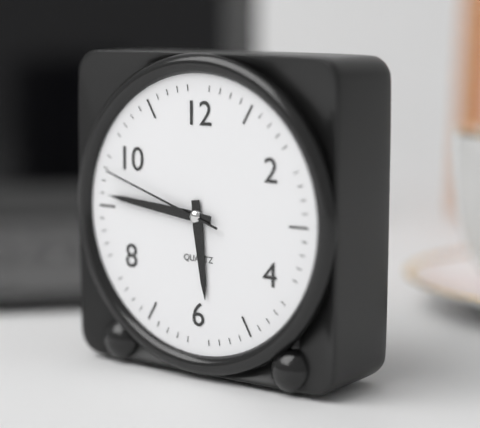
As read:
**5:46:48**
